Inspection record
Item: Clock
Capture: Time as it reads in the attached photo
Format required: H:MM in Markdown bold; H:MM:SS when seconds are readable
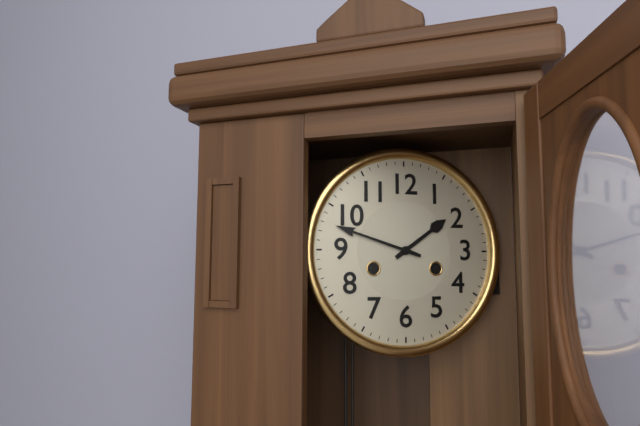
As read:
**1:48**
